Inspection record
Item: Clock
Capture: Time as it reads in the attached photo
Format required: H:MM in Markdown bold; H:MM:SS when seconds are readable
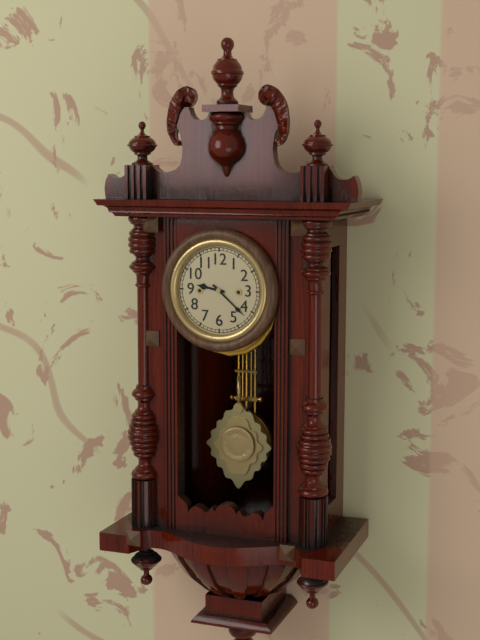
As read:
**9:22**
